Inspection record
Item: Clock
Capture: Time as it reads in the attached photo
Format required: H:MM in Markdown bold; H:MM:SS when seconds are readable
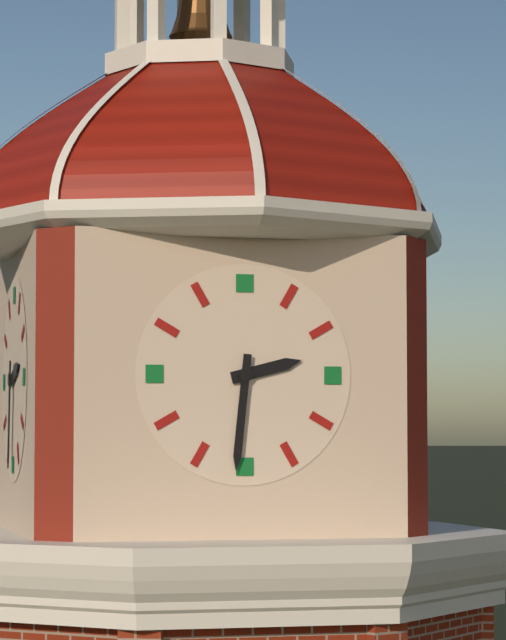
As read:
**2:31**
